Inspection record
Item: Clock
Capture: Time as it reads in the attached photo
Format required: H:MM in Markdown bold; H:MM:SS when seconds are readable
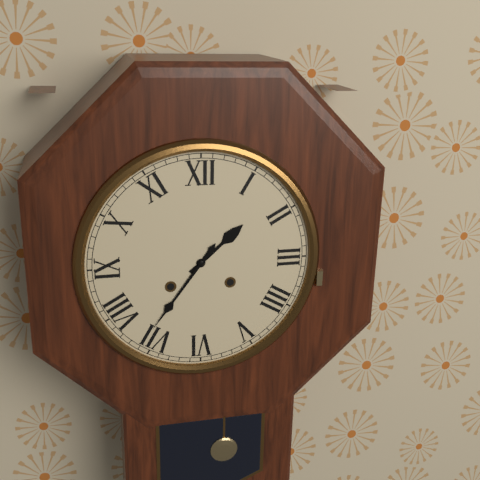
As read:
**1:36**
